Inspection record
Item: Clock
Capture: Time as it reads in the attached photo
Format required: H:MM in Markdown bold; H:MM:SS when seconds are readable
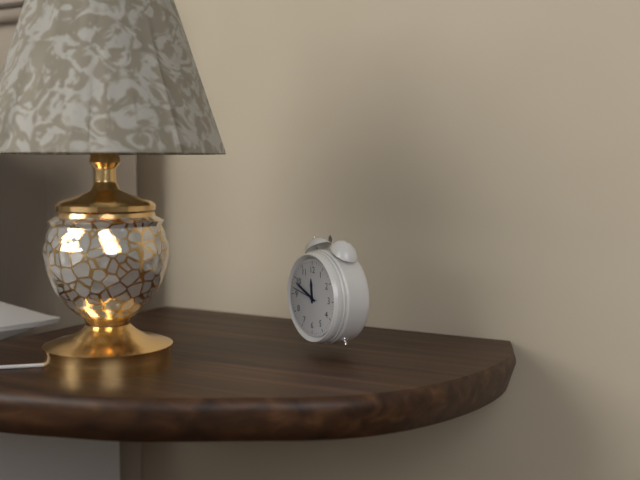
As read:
**11:49**
